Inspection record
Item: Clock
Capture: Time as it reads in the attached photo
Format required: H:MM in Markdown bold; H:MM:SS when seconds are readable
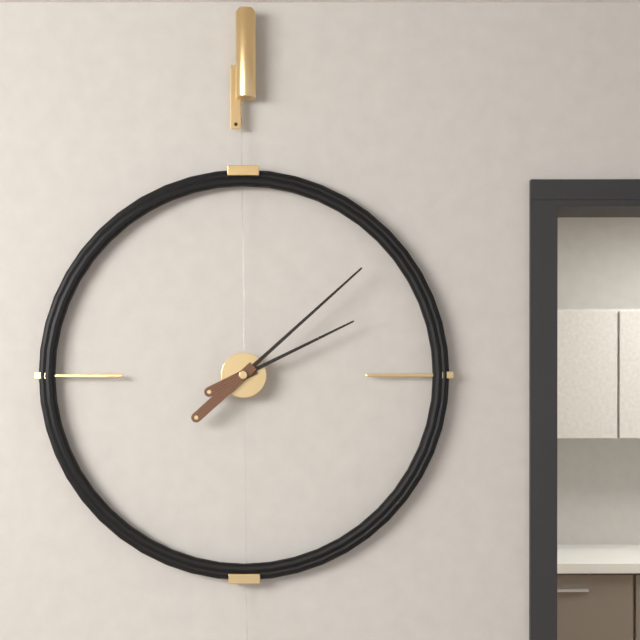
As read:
**2:08**
